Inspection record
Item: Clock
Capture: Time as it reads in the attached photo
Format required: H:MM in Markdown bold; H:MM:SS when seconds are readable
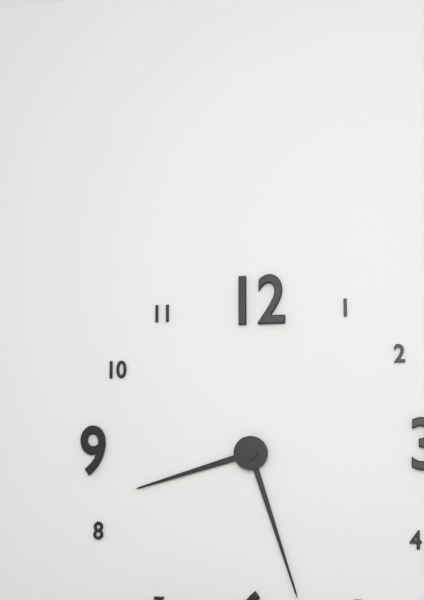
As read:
**8:27**
